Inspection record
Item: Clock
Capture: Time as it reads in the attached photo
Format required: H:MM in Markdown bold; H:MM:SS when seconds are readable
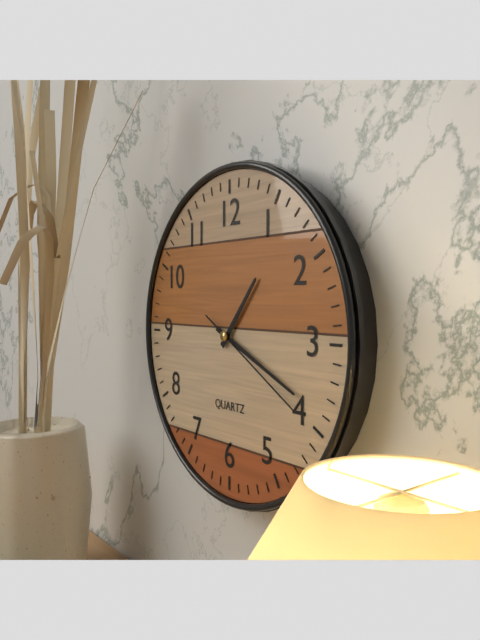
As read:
**1:19:20**
